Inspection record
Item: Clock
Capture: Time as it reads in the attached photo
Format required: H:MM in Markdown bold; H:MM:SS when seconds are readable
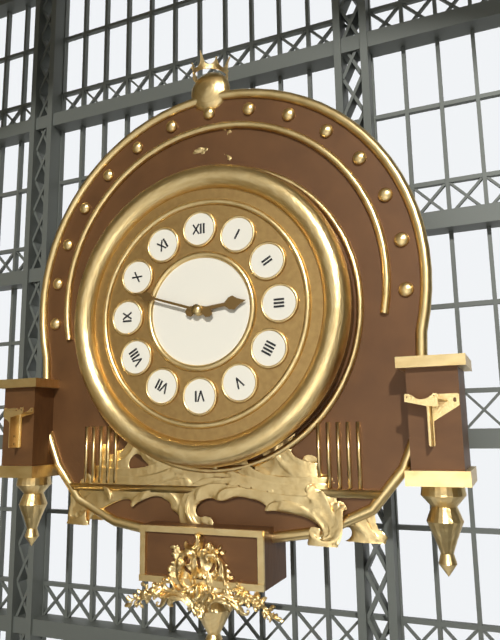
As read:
**2:48**
